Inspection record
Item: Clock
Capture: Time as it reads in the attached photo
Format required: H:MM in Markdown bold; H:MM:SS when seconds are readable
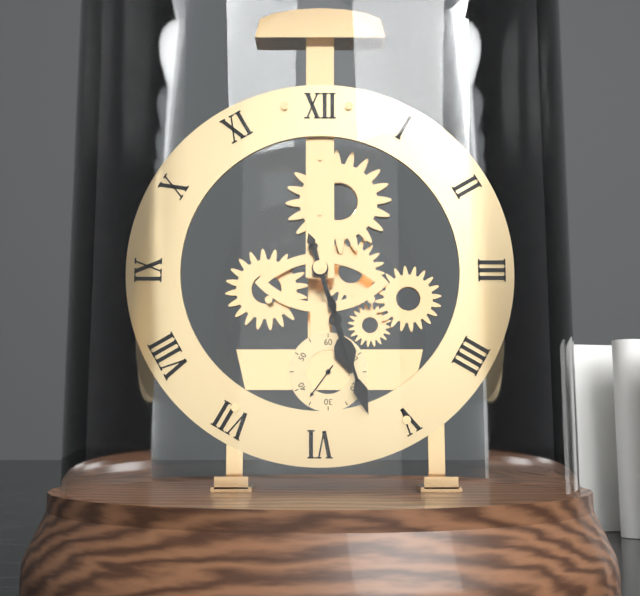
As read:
**5:27**
